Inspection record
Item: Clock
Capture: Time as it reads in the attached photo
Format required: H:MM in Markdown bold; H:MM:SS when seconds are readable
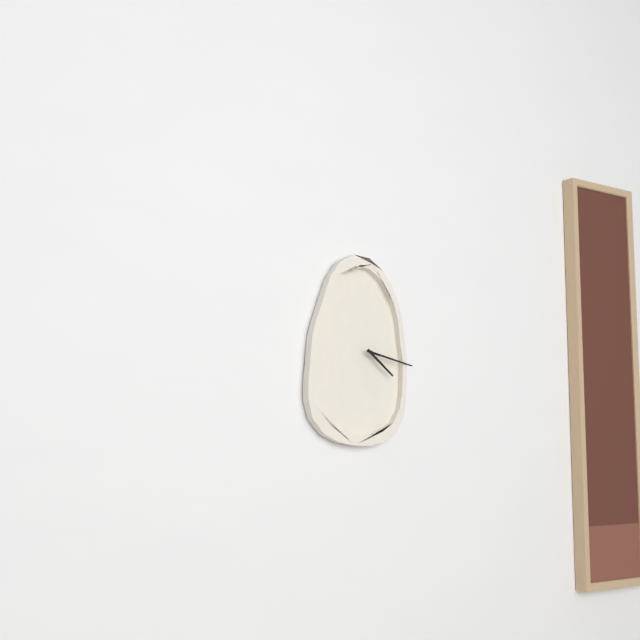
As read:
**4:17**
